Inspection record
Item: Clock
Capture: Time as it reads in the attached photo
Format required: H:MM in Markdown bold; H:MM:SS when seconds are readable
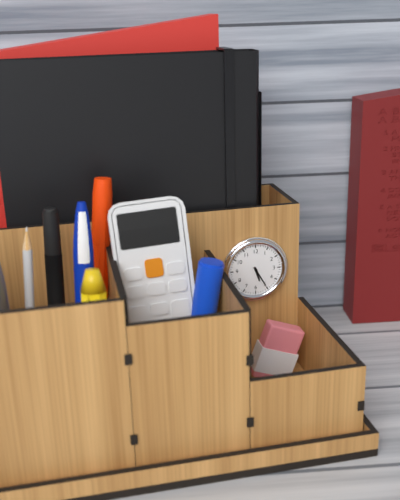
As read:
**5:25**
